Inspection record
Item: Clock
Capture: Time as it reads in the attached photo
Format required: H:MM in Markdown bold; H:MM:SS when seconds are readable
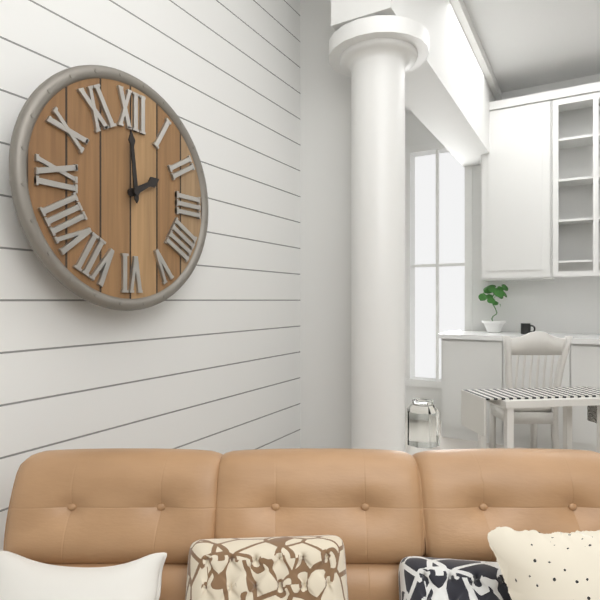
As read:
**1:59**
